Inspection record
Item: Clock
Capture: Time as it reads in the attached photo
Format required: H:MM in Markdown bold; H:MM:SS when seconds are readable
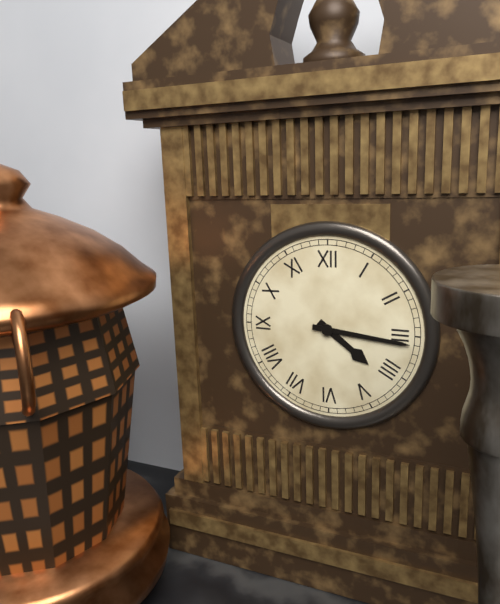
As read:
**4:16**
